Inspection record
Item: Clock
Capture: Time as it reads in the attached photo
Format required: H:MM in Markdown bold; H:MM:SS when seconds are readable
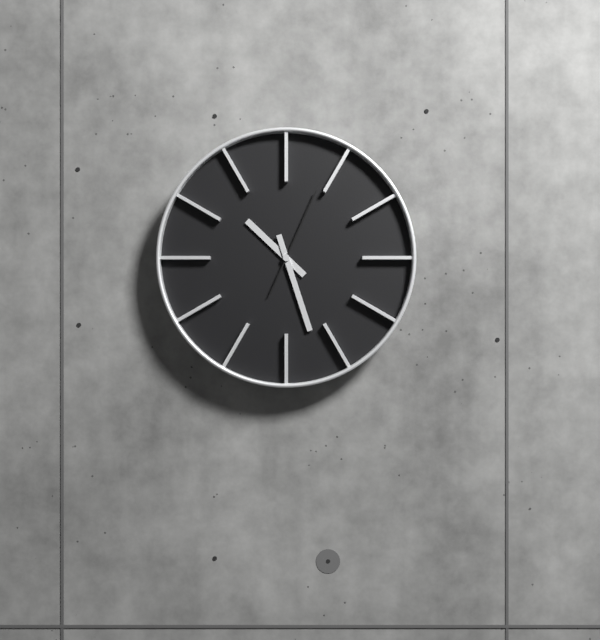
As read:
**10:27:04**
